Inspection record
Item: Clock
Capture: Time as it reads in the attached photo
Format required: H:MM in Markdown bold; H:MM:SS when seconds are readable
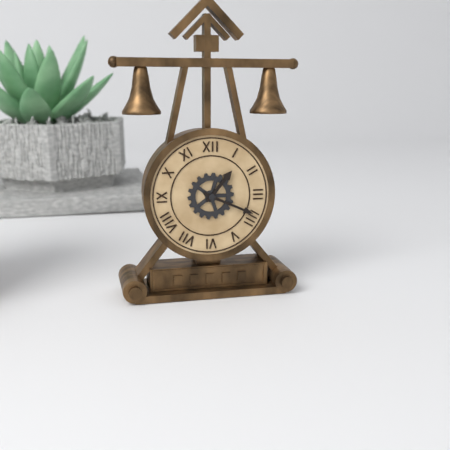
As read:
**1:19**
